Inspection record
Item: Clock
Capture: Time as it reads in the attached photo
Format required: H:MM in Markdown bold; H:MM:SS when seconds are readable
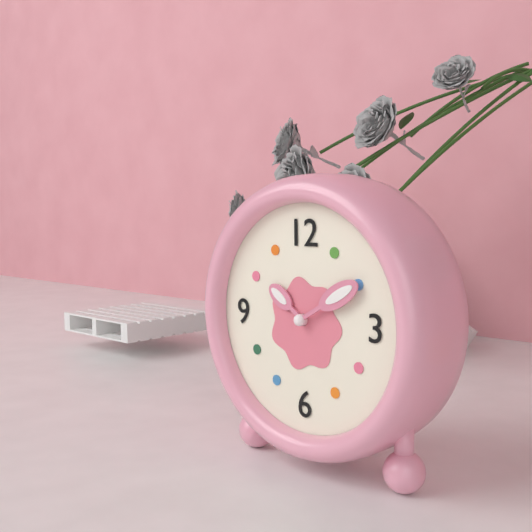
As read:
**10:10**
